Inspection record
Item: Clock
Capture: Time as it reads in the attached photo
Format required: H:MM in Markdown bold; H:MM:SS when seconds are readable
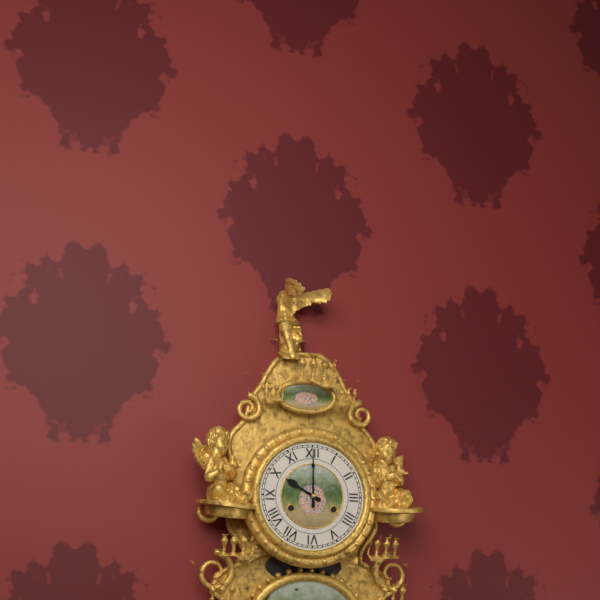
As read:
**10:00**
